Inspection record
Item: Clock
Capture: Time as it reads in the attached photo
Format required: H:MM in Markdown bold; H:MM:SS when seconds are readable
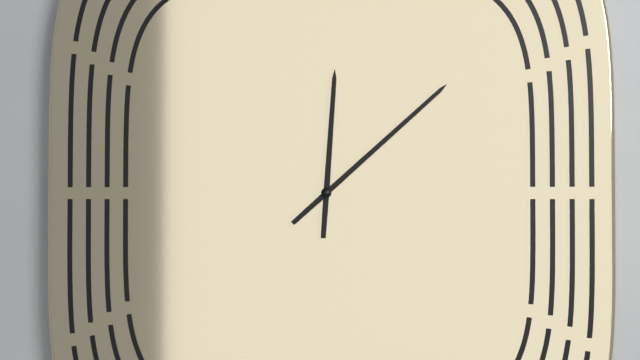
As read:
**12:08**
